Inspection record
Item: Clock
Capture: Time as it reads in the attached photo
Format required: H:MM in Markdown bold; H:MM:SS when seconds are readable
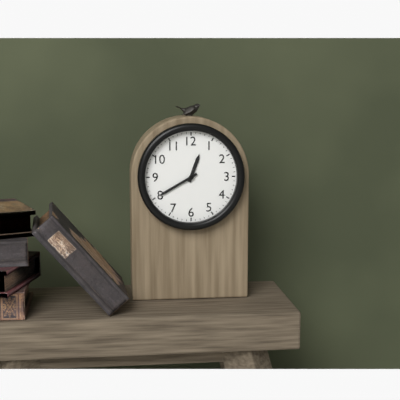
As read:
**12:40**
